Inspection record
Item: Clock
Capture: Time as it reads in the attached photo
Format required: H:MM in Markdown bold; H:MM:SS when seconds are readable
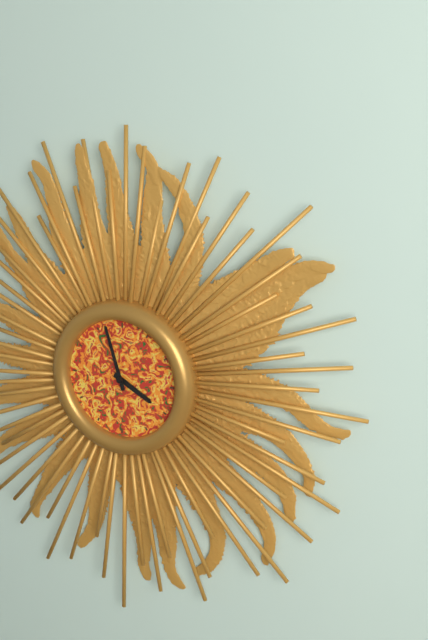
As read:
**3:57**
